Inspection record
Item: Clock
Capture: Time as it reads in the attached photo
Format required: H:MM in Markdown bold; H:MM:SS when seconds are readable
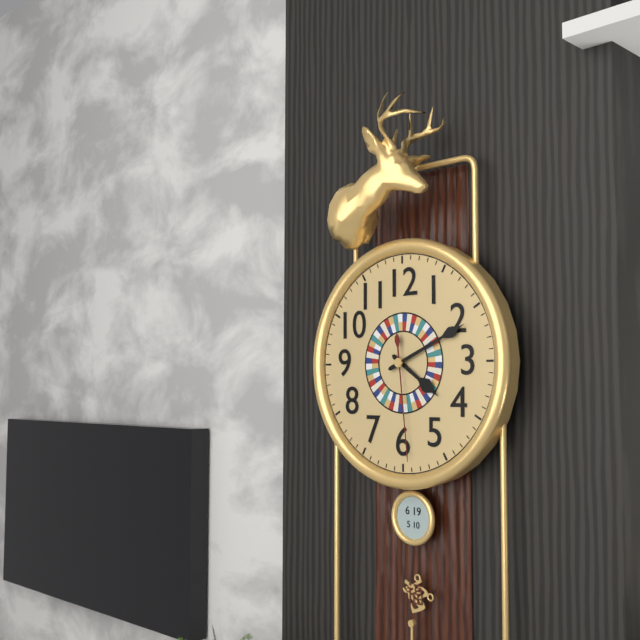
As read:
**4:11:29**
